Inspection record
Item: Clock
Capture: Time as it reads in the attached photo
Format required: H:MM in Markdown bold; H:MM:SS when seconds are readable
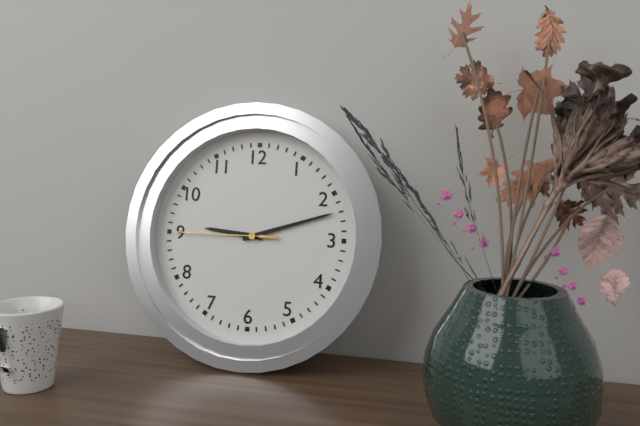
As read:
**9:12:45**
